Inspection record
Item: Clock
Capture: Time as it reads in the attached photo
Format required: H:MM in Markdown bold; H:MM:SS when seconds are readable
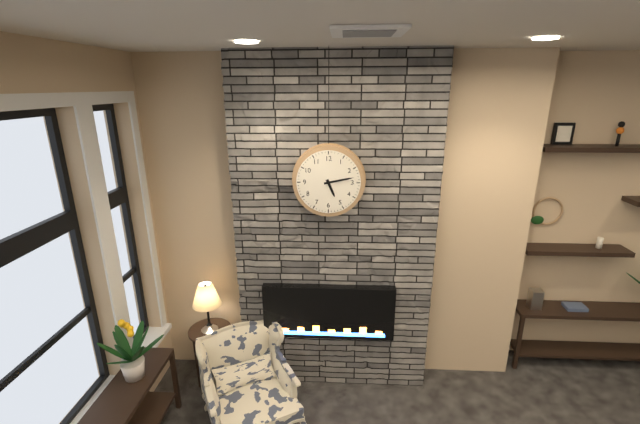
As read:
**5:13**
